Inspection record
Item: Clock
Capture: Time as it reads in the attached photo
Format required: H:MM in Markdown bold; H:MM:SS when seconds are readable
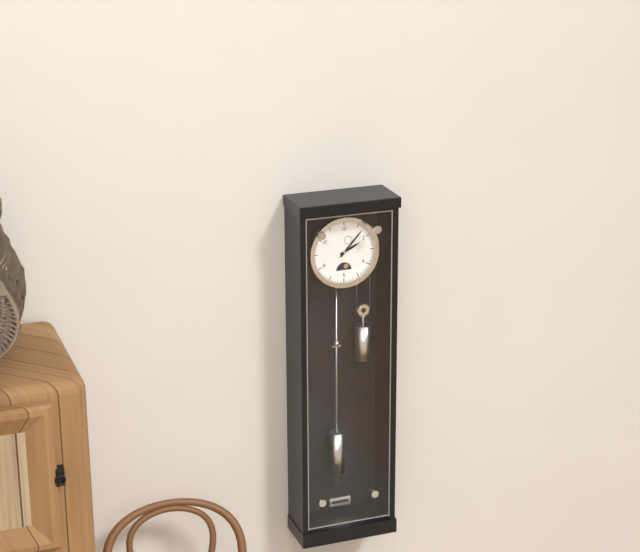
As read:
**2:07**
